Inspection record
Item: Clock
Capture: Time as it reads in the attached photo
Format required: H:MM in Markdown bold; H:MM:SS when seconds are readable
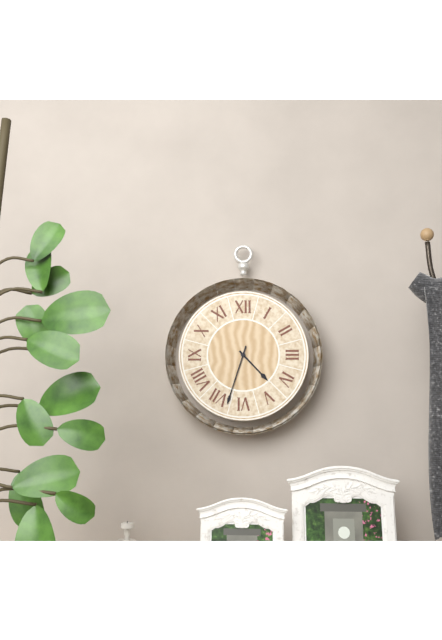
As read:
**4:33**
